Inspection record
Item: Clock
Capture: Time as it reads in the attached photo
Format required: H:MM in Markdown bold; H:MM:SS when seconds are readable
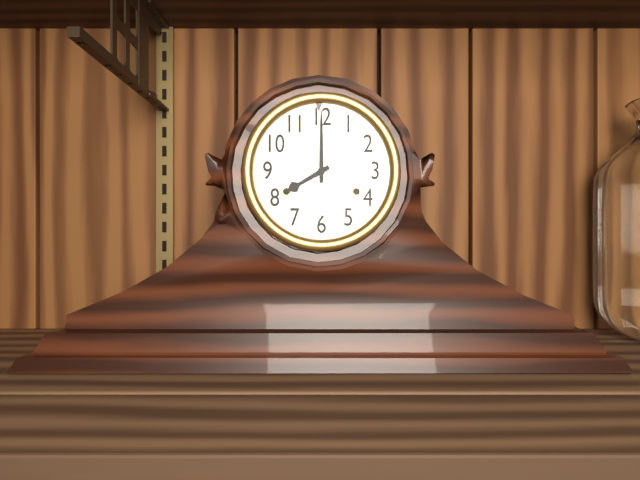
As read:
**8:00**
